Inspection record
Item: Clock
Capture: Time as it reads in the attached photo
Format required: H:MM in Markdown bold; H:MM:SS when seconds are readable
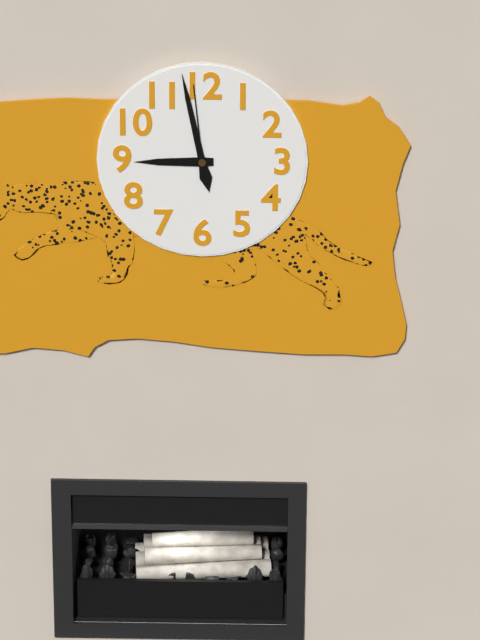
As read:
**8:58:59**
